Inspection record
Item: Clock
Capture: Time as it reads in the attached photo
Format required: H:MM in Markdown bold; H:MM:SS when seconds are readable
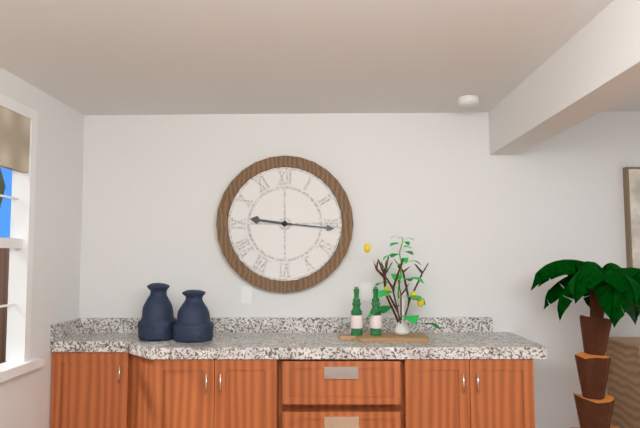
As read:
**9:16**
